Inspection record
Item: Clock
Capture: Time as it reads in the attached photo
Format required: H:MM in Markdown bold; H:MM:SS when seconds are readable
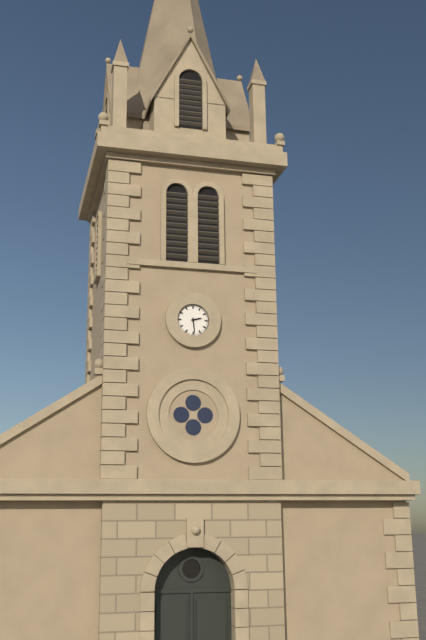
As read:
**2:29**
